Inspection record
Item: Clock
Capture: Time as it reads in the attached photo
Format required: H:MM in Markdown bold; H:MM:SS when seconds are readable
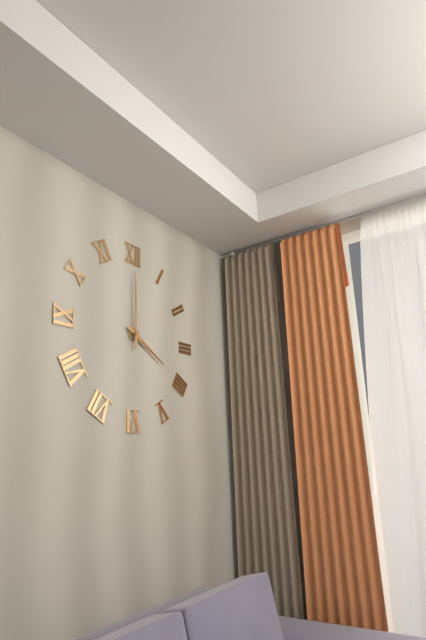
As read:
**4:00**
